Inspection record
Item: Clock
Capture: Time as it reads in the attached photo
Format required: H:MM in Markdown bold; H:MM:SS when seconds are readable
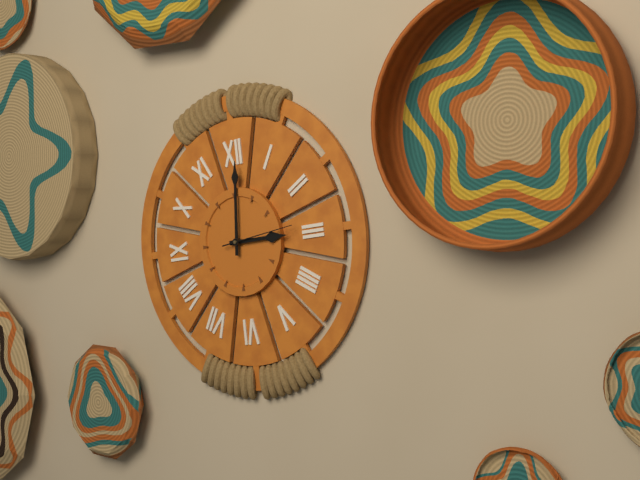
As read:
**3:01:14**
